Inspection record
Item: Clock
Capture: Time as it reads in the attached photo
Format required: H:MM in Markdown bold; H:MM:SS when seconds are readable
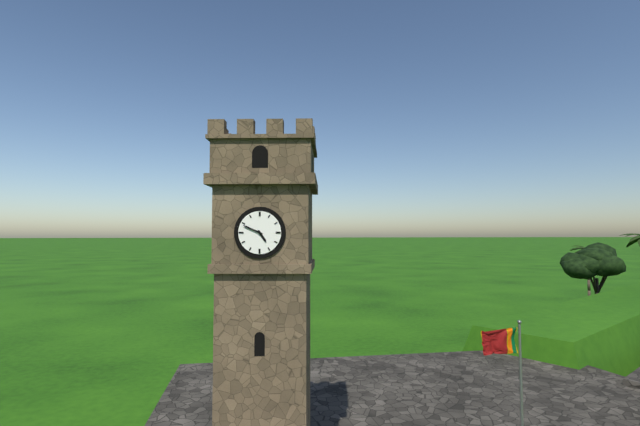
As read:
**4:49**
